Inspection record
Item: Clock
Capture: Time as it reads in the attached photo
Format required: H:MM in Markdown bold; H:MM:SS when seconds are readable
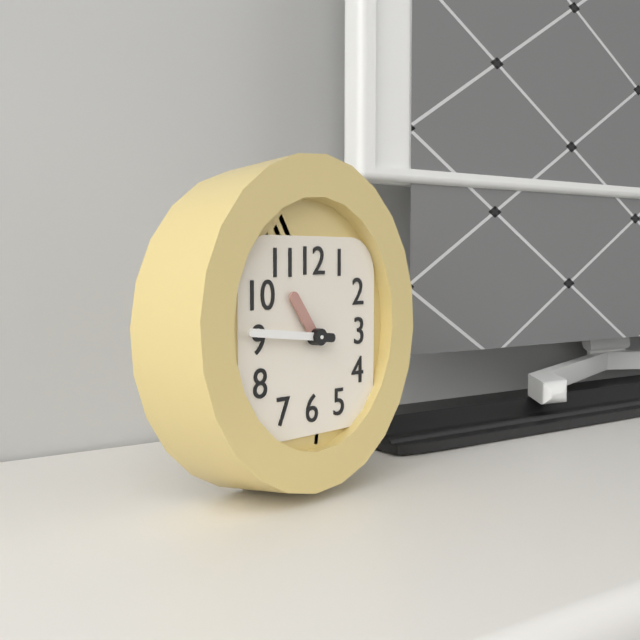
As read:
**10:46**
